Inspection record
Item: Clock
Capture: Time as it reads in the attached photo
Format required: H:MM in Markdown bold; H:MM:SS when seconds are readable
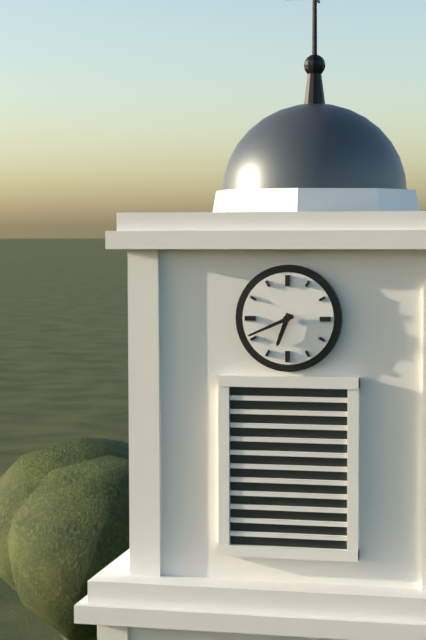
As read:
**6:41**
